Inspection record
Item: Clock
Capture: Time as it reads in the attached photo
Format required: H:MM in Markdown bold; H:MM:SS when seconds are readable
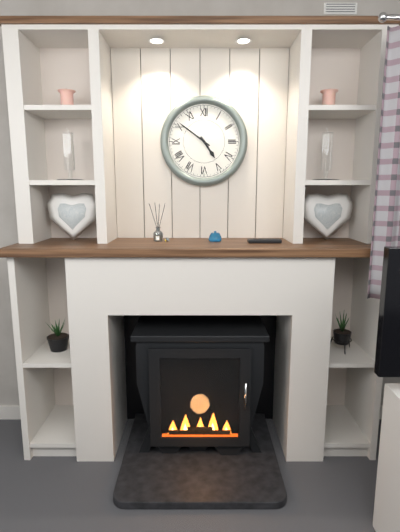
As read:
**4:51**
